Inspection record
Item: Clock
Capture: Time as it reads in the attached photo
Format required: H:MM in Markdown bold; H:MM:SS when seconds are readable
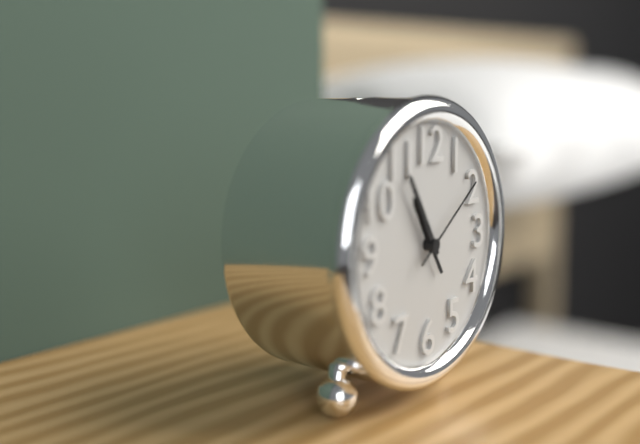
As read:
**10:55:09**
